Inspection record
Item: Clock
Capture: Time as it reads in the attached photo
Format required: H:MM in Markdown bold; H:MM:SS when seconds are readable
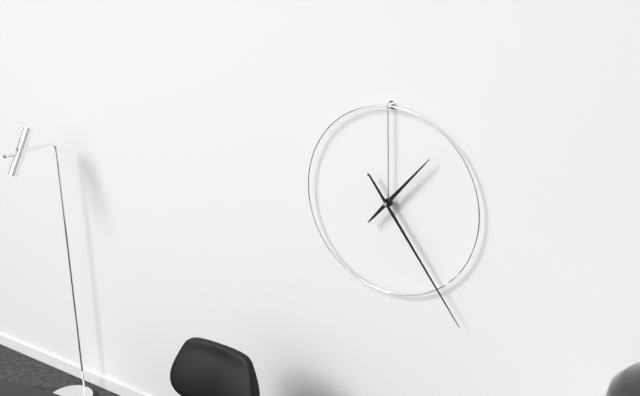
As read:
**1:24**
